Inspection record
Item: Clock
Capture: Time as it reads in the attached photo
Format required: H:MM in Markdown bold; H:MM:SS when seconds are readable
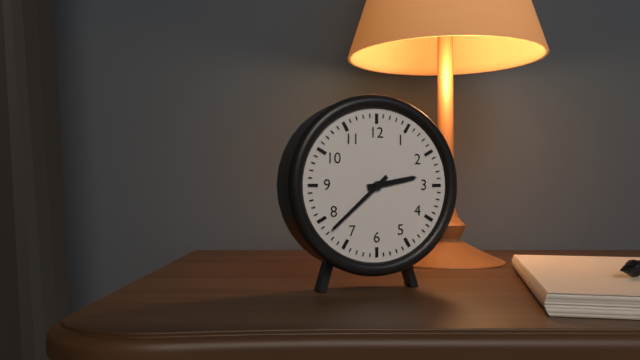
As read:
**2:38**
